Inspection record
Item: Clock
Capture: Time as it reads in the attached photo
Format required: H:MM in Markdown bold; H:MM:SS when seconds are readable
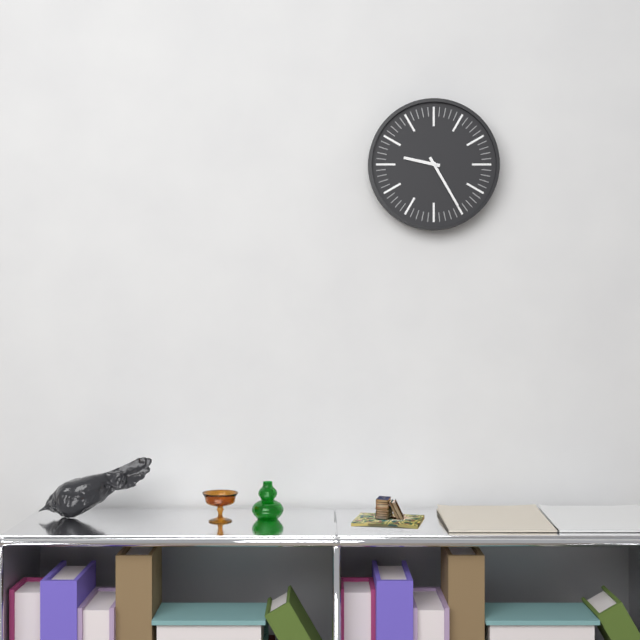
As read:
**9:25**
